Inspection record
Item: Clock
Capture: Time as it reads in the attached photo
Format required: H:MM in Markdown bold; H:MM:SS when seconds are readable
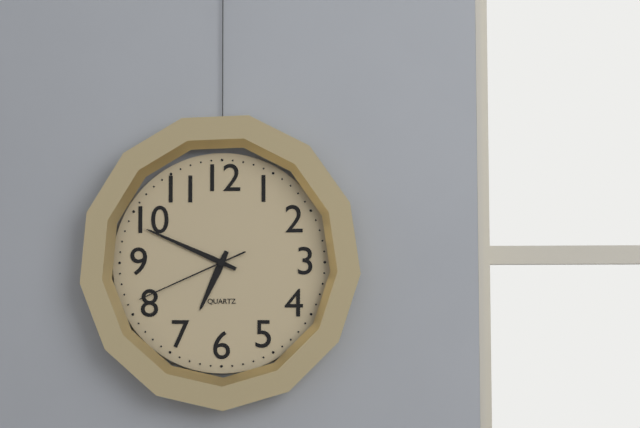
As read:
**6:49:41**
